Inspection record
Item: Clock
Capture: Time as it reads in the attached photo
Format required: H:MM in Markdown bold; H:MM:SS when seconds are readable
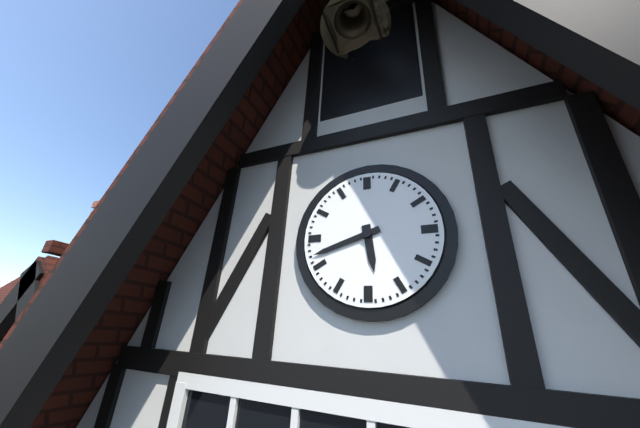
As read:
**5:42**
